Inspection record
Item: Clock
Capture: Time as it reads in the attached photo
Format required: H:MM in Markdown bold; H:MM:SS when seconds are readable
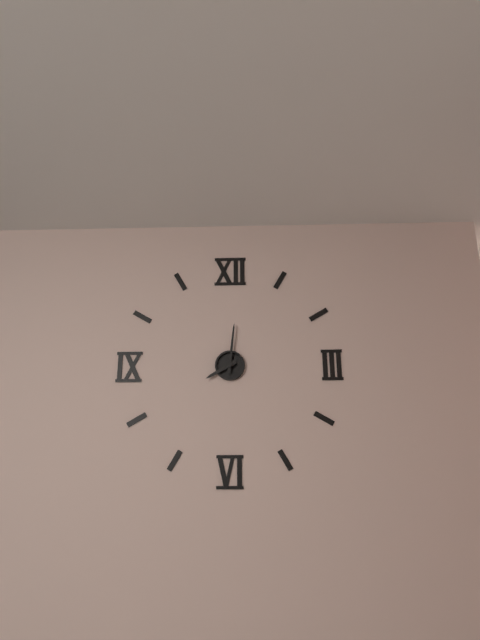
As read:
**8:01**
